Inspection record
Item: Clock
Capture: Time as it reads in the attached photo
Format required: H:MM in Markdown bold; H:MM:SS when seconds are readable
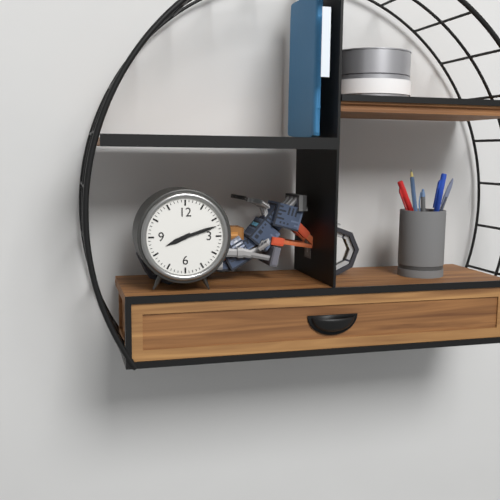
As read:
**8:12**
